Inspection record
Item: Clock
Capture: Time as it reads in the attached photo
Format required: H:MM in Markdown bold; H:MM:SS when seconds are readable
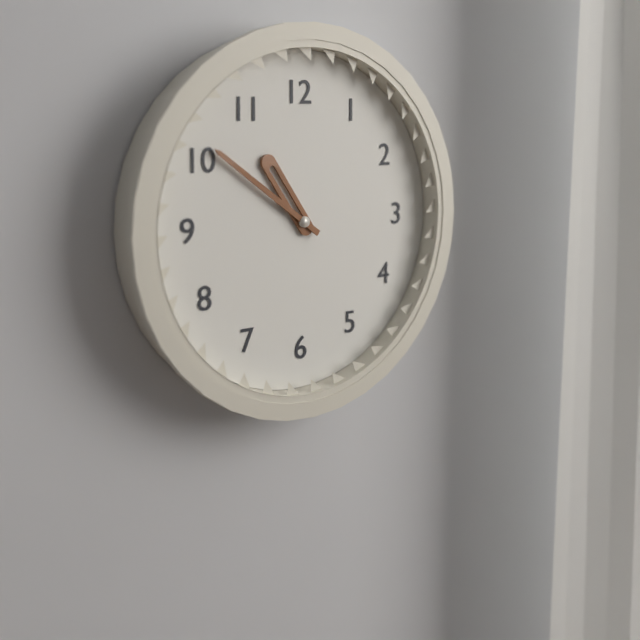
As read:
**10:51**
